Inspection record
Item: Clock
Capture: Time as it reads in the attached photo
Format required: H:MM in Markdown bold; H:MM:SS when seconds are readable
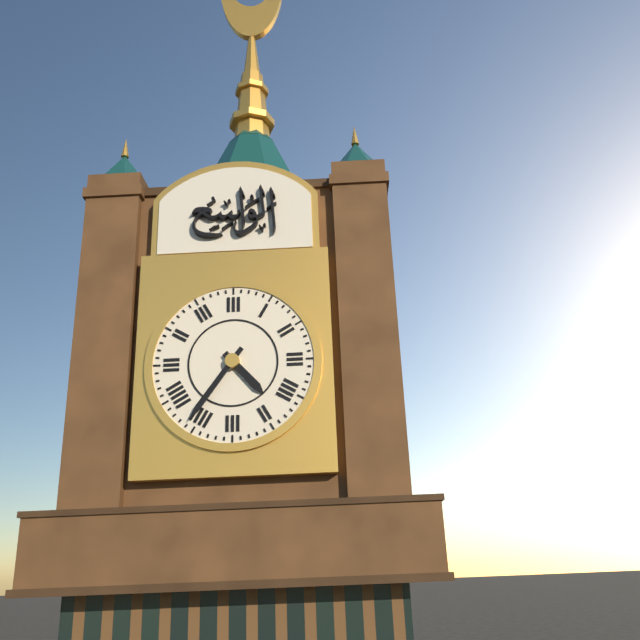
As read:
**4:36**
